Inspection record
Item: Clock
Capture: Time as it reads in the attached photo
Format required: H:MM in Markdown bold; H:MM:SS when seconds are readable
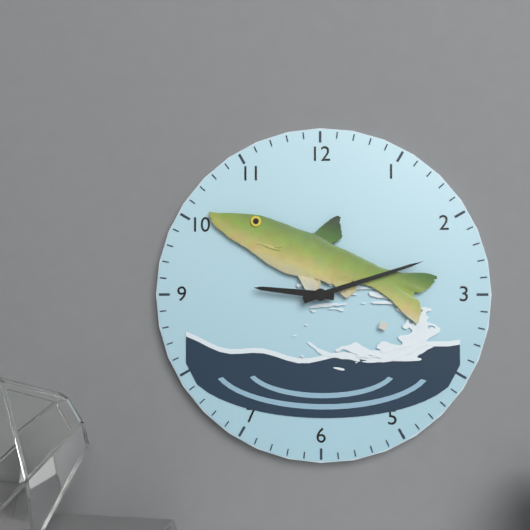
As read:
**9:12**
